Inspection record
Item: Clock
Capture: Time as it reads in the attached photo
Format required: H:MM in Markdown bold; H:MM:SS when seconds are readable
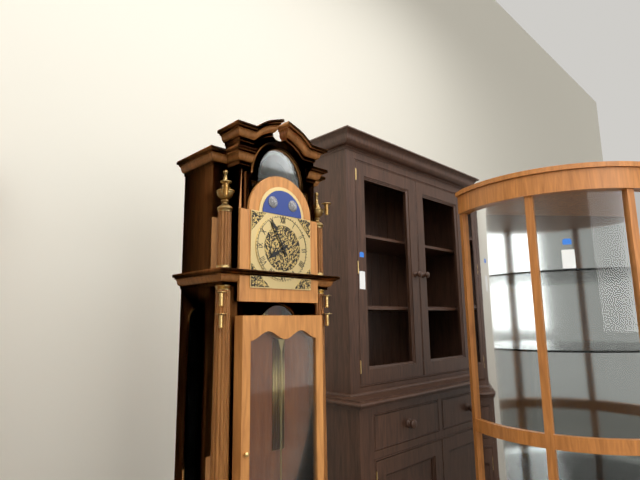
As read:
**7:55**
